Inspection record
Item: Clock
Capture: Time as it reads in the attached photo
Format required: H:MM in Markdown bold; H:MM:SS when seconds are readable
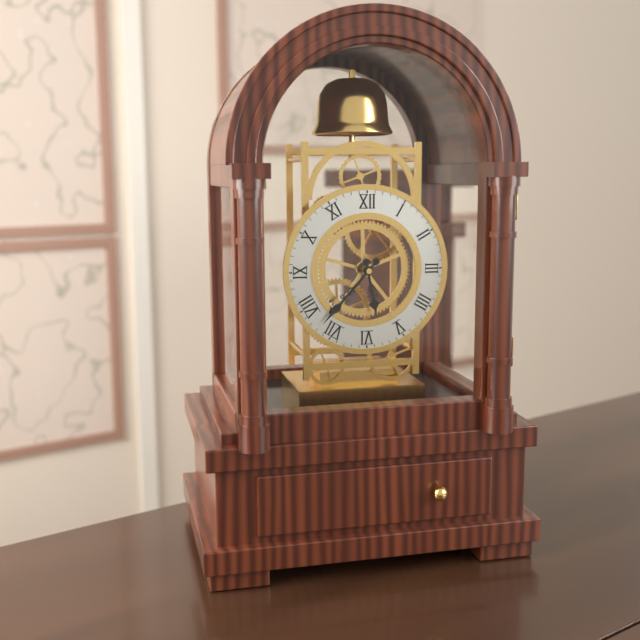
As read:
**5:37**
